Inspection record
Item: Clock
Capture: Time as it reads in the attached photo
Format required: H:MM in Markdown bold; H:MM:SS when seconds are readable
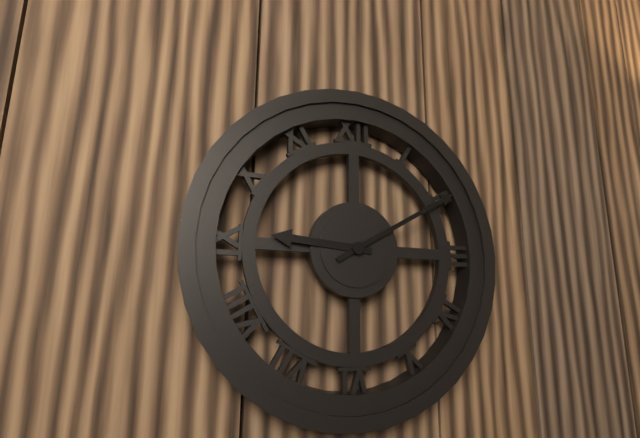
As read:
**9:10**
